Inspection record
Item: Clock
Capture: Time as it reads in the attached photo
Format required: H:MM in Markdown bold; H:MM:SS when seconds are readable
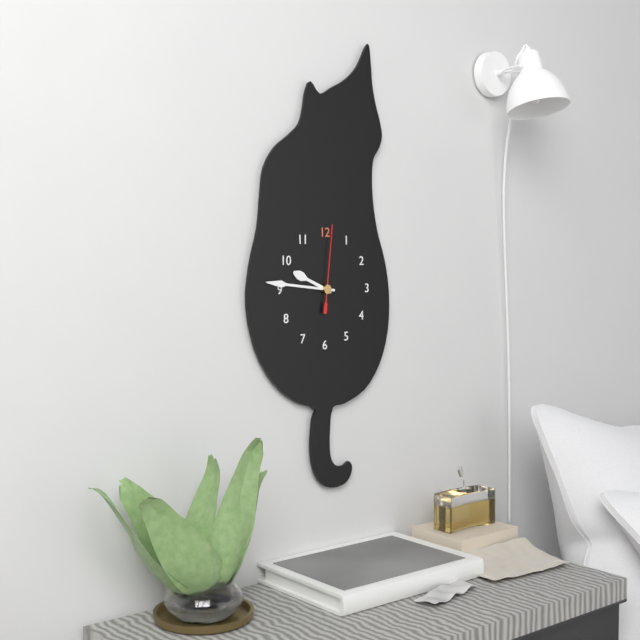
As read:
**9:46:01**
